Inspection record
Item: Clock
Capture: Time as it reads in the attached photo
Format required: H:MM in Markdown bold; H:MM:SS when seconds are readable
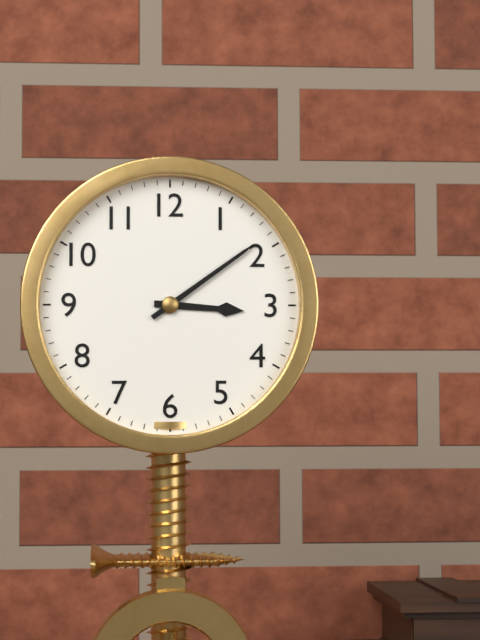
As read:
**3:09**
